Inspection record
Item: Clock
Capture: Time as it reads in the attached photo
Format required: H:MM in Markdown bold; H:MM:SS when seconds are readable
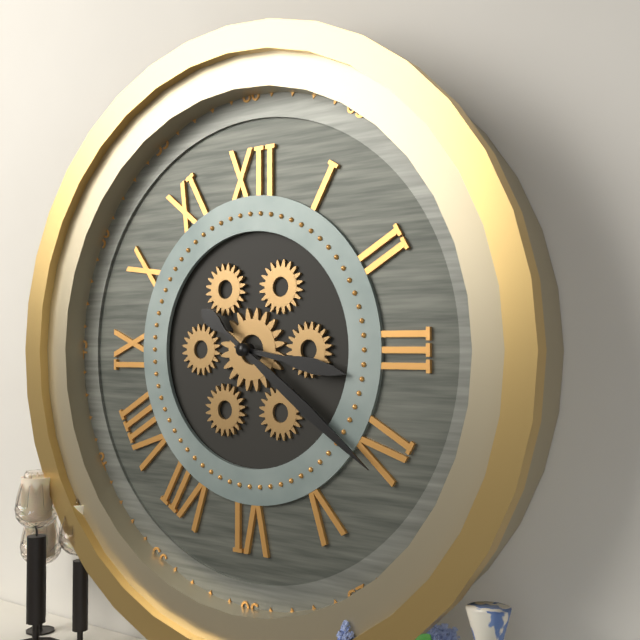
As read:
**3:21**
